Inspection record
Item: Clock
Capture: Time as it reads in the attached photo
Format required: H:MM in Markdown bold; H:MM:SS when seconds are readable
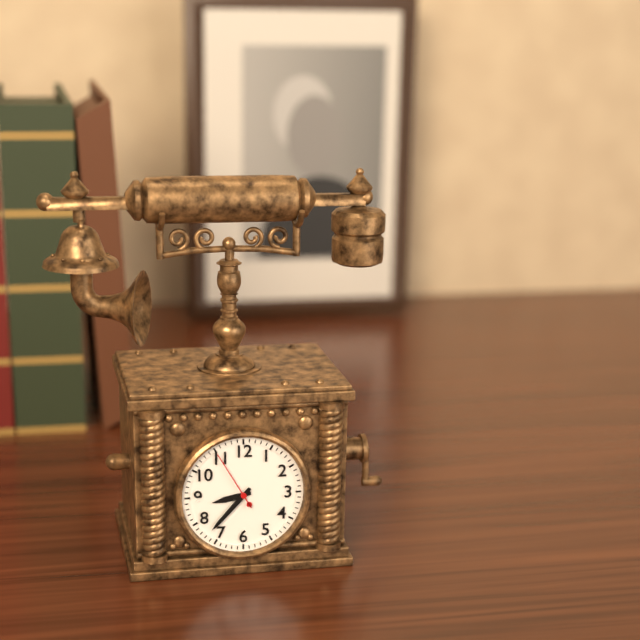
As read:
**8:37:55**
